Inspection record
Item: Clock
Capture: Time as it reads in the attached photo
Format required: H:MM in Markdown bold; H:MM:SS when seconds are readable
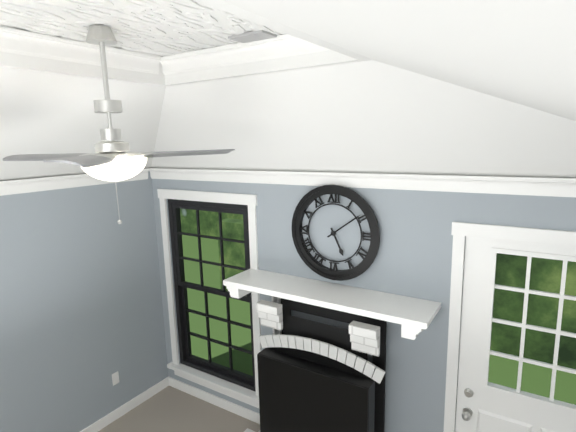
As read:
**5:09**
